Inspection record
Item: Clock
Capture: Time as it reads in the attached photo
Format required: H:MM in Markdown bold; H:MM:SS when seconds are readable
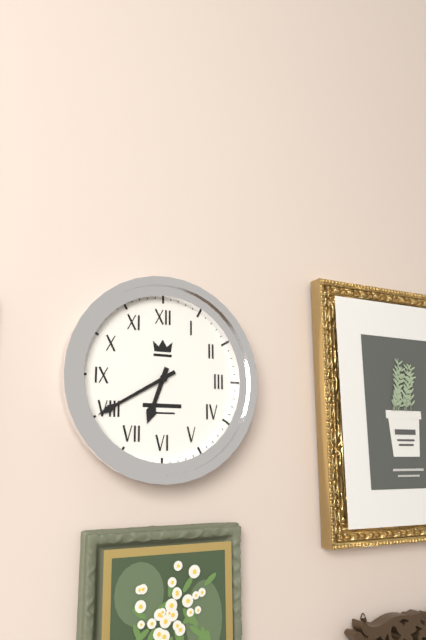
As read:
**6:40**
